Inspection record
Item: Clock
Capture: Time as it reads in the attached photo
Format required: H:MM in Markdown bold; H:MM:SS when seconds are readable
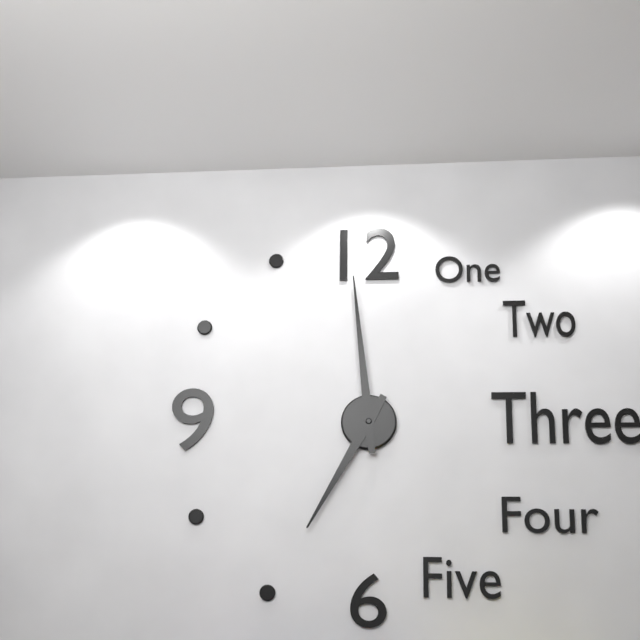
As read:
**6:59**
